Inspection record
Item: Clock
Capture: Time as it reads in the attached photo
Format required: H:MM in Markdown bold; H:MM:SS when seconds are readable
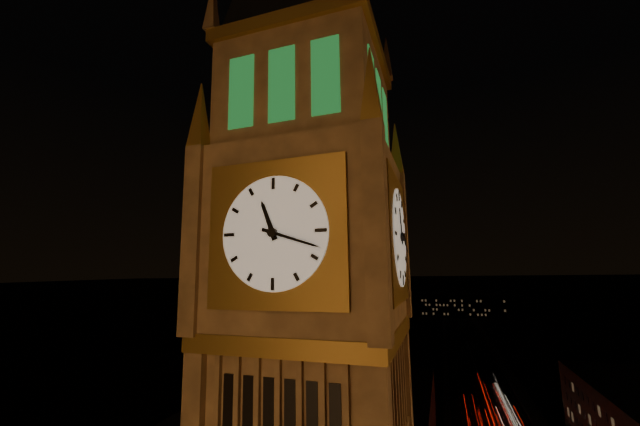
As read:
**11:18**
